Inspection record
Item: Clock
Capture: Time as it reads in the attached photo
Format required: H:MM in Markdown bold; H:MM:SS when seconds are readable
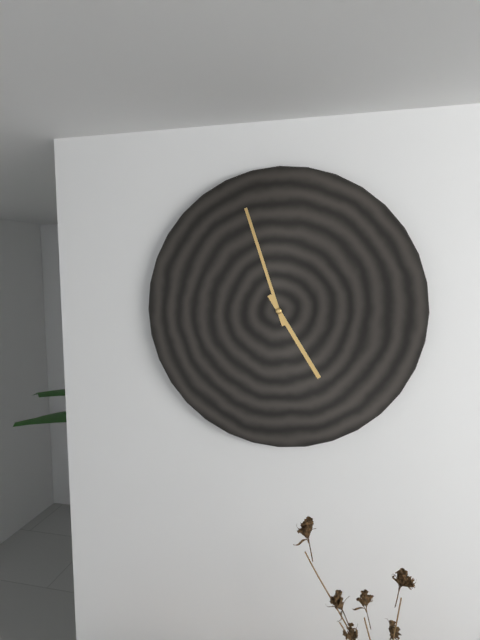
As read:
**4:57**
